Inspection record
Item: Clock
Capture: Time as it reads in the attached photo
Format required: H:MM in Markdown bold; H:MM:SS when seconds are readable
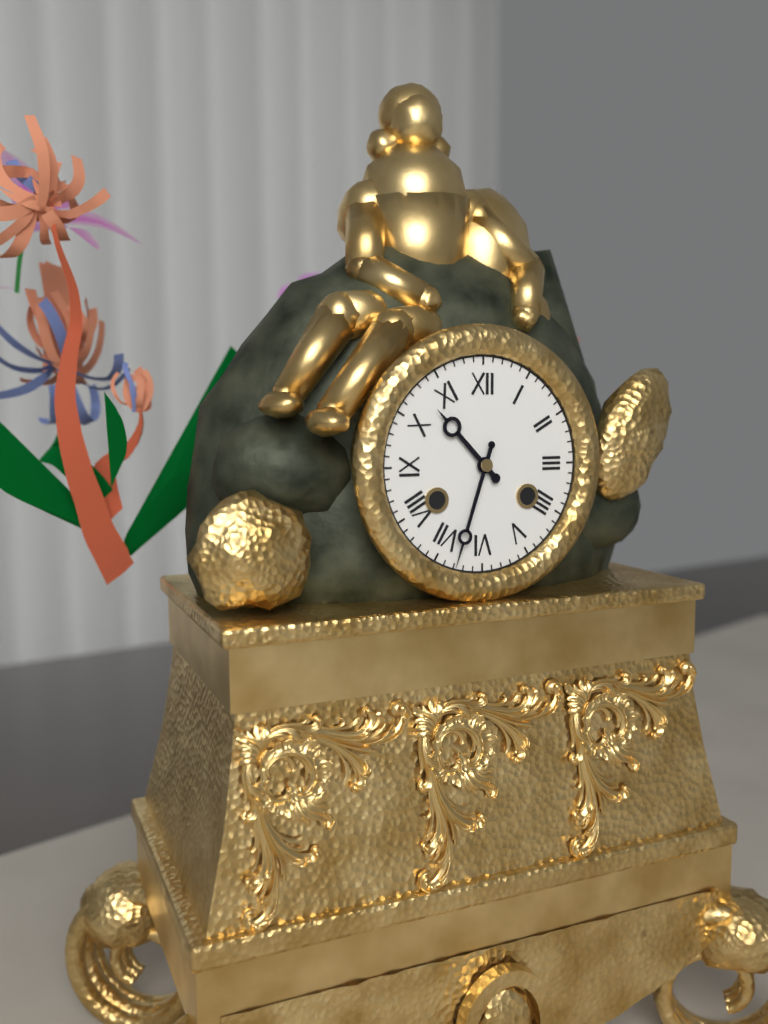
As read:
**10:33**
